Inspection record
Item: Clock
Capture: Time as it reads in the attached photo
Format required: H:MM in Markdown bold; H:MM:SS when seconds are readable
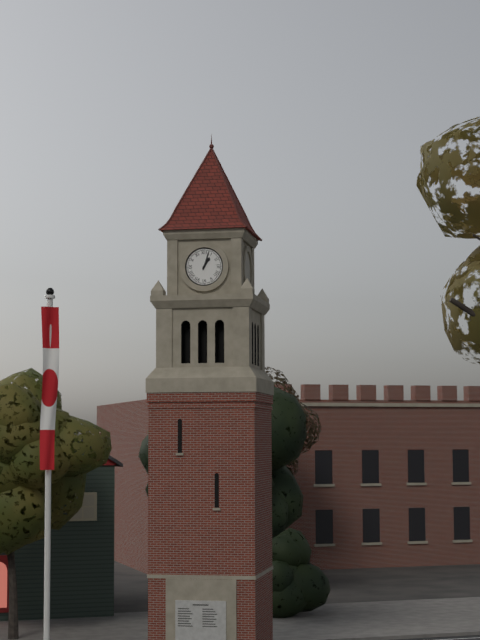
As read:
**1:03**
